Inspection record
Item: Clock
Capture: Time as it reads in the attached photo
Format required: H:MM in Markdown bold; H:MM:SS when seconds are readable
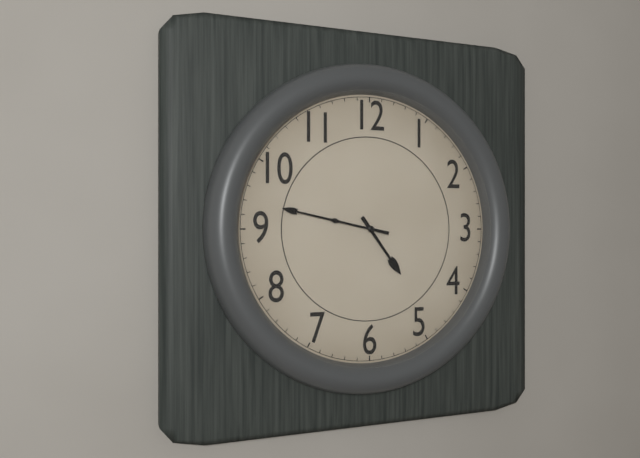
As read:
**4:47**
